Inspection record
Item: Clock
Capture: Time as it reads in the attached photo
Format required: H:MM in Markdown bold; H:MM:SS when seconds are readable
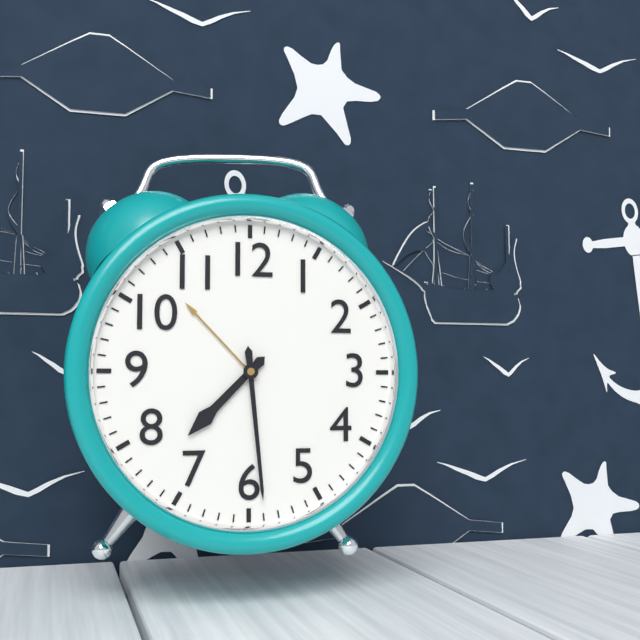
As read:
**7:29**
